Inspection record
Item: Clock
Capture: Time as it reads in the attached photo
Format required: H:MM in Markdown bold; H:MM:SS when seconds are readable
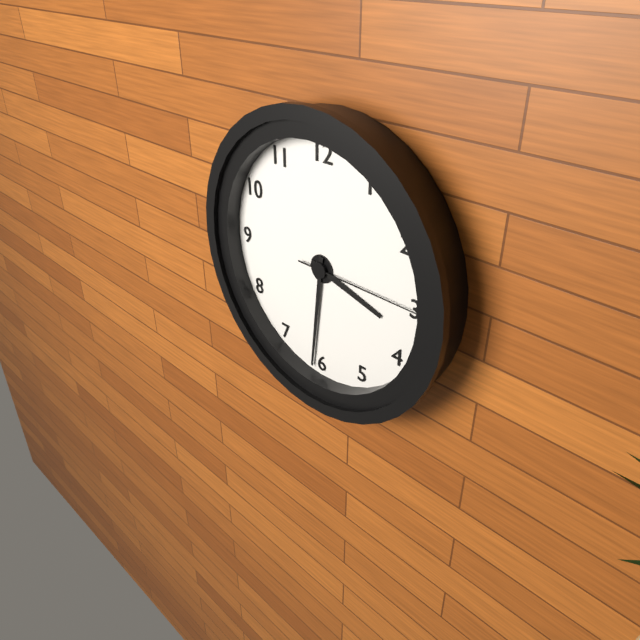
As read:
**3:31:15**
